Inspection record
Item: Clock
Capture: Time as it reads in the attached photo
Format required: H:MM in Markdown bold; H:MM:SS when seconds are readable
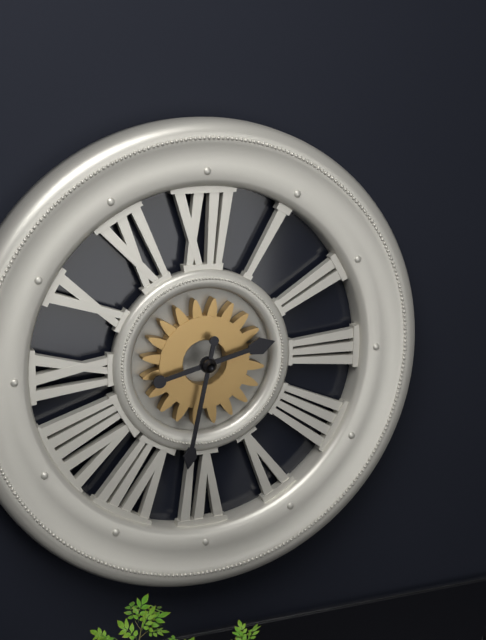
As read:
**2:32**
